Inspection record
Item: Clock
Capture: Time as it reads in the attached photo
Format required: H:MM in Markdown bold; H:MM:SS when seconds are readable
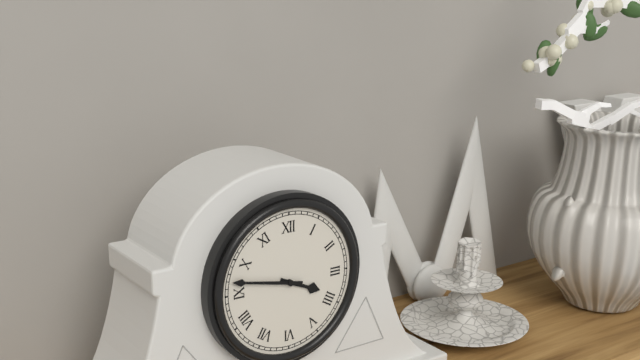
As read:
**3:47**
